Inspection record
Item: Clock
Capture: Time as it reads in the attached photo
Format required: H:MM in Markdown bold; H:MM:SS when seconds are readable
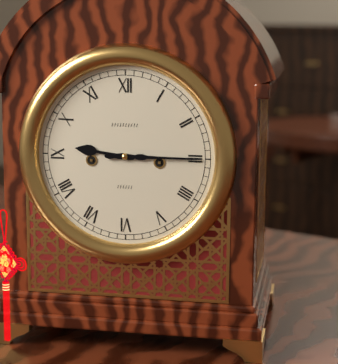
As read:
**9:15**
